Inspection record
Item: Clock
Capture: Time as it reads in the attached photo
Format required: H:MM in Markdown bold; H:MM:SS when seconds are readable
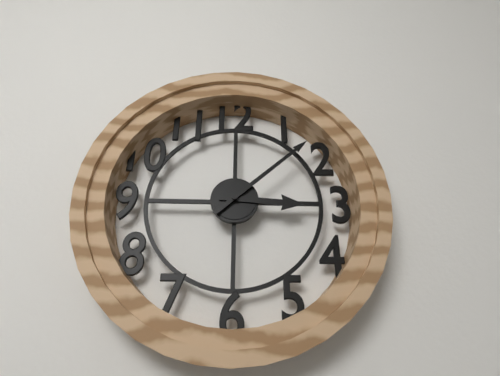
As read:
**3:08**
